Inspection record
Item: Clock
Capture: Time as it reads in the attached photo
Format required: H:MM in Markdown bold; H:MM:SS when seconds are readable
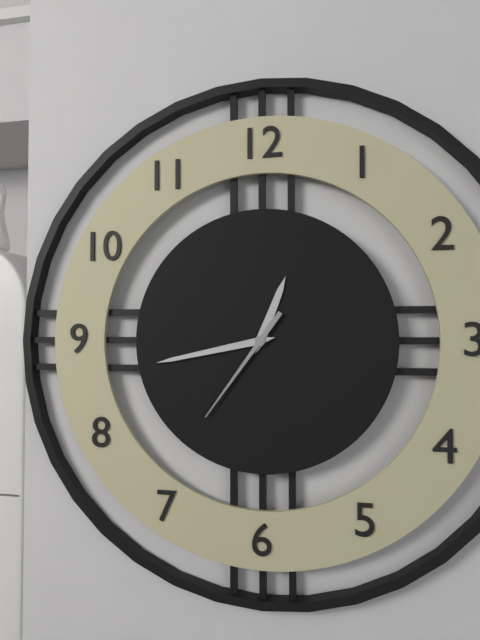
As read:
**12:43:36**
